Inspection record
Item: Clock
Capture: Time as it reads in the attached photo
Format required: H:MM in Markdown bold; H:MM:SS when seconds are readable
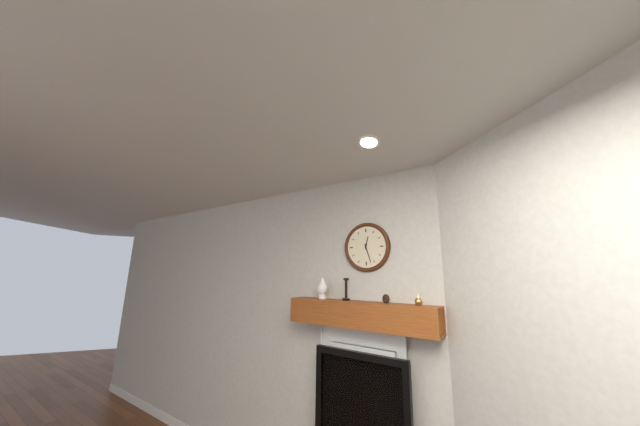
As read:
**12:27**
